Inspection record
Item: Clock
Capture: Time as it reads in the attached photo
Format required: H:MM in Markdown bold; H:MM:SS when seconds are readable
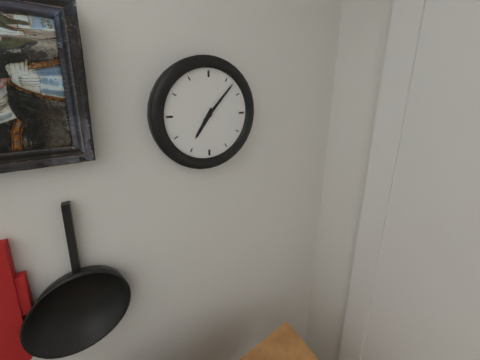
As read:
**7:07**
